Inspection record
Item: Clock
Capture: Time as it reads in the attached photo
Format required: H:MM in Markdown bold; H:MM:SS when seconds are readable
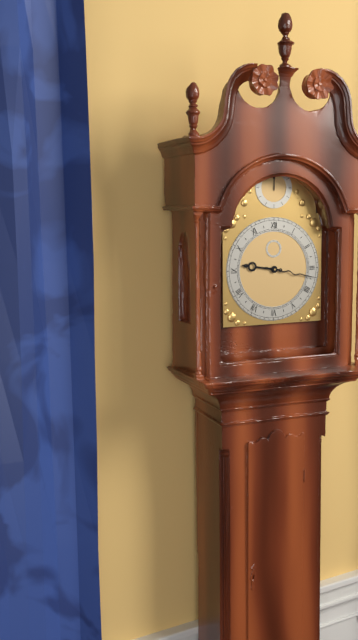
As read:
**9:17**
